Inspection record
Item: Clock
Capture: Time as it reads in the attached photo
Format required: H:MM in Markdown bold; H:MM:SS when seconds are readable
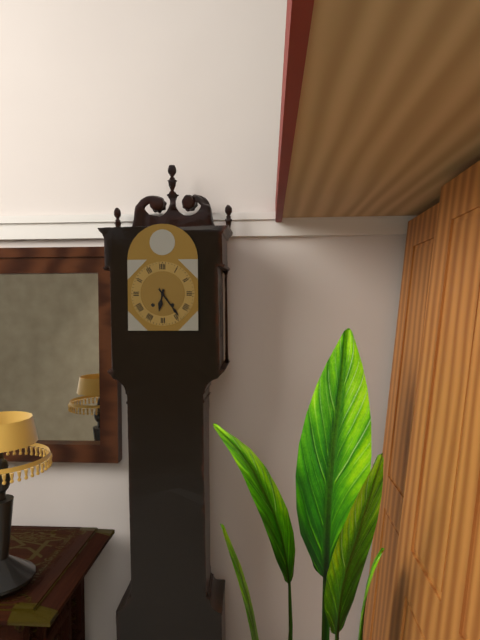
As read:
**6:24**
